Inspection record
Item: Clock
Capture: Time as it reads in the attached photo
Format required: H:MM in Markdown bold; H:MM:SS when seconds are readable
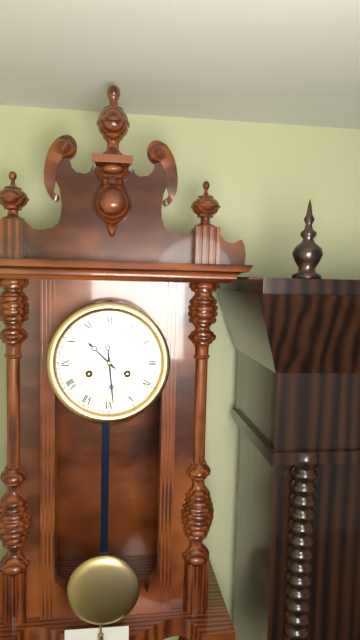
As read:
**10:29**
